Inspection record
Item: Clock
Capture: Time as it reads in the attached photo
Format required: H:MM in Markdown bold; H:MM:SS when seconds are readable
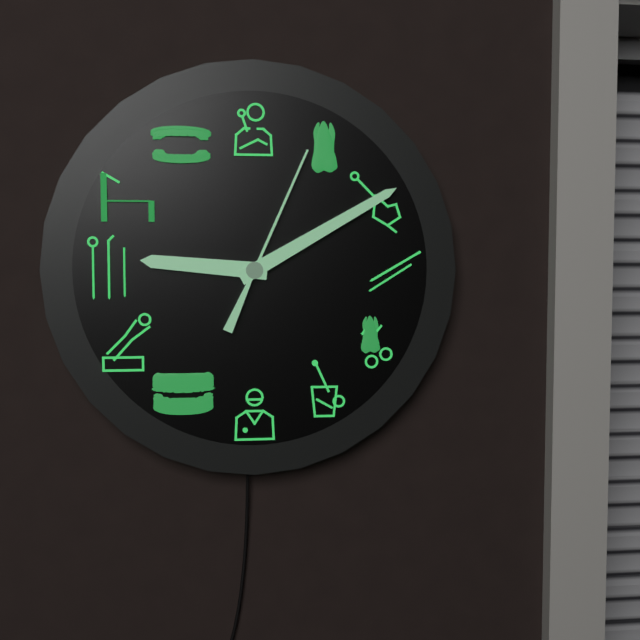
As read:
**9:10:04**
